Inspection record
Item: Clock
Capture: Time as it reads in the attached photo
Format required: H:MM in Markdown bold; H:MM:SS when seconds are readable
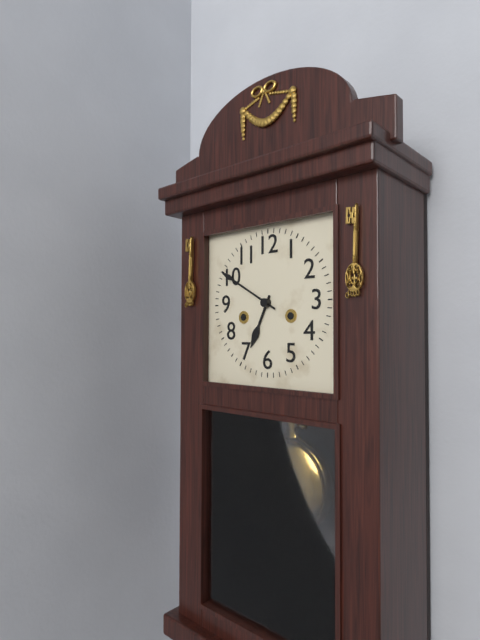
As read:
**6:50**
